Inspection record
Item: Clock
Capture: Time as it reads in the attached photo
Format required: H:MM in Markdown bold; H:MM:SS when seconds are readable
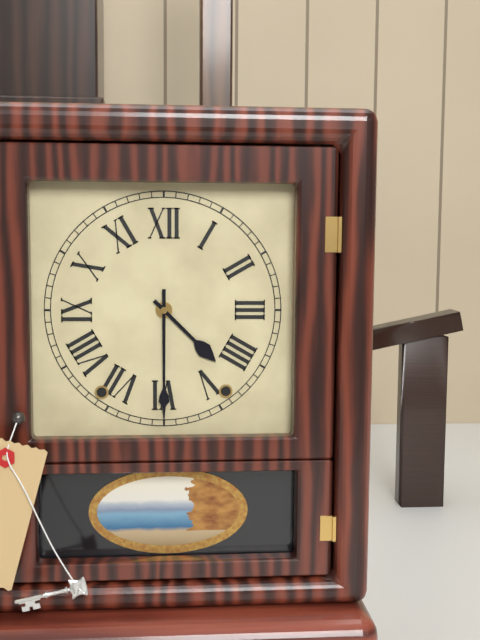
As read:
**4:30**
